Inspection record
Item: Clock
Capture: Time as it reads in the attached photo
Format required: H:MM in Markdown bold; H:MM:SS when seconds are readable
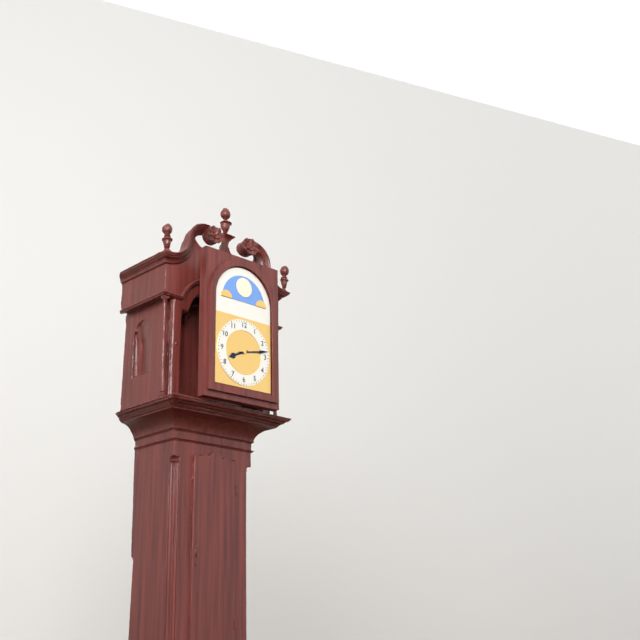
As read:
**8:13**
